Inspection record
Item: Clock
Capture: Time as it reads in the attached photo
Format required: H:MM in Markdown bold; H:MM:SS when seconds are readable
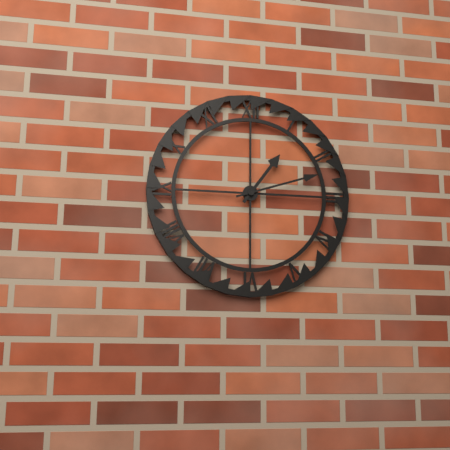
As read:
**1:12**
